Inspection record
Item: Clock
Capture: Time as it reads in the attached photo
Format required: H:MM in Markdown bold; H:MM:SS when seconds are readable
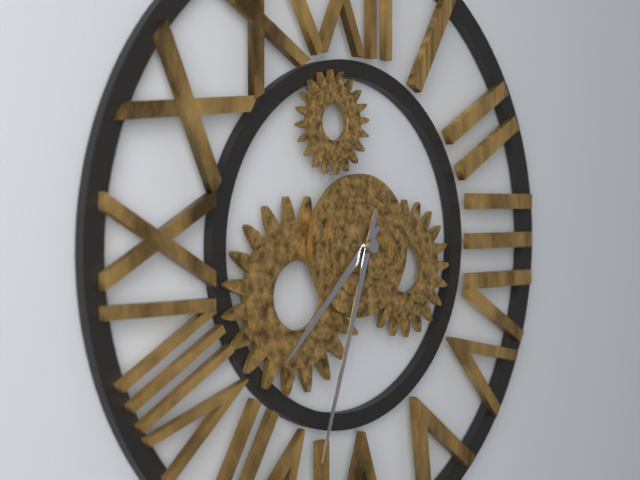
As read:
**7:33**
